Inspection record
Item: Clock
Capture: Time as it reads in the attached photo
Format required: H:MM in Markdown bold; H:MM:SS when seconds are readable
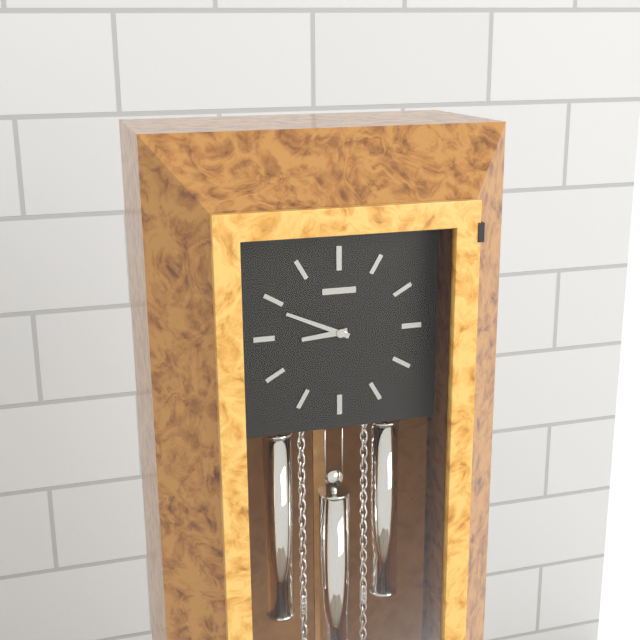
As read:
**8:49**
